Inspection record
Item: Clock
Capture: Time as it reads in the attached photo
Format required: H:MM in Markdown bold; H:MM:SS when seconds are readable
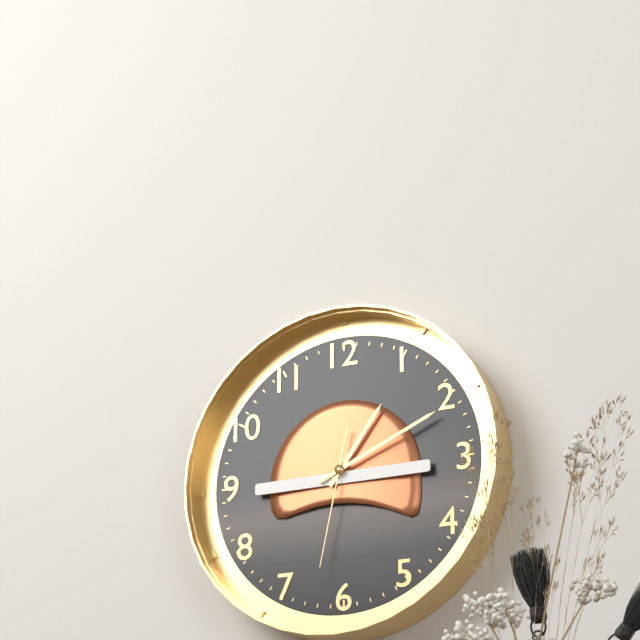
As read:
**1:11:32**
